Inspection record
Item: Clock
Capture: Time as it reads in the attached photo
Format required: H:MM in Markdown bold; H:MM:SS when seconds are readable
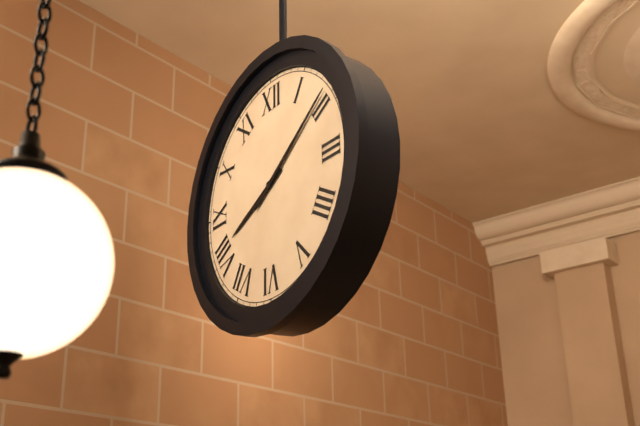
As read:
**8:09**
